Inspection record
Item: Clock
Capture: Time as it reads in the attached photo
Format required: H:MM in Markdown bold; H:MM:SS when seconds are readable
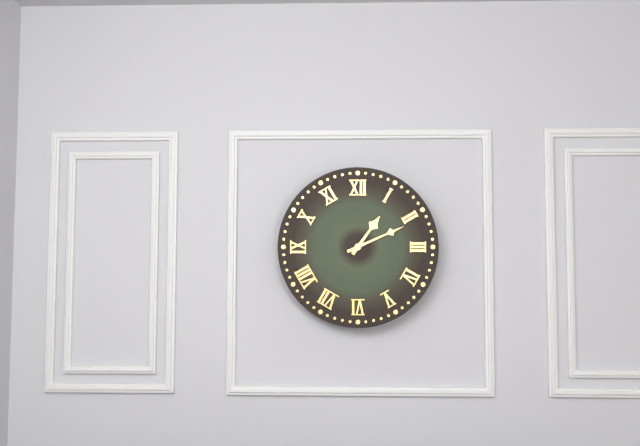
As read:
**1:11**
